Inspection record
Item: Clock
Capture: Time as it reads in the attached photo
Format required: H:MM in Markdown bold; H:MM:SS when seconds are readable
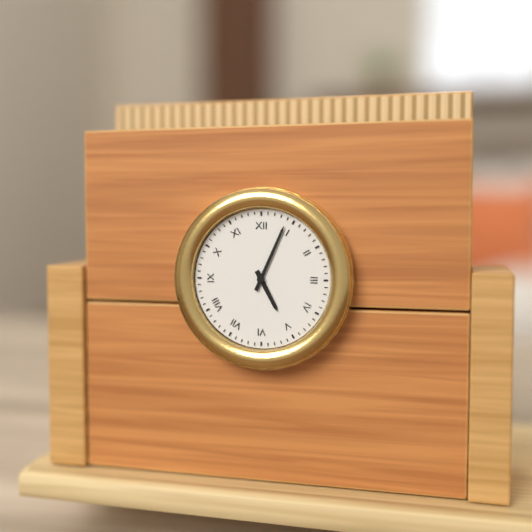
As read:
**5:04**
